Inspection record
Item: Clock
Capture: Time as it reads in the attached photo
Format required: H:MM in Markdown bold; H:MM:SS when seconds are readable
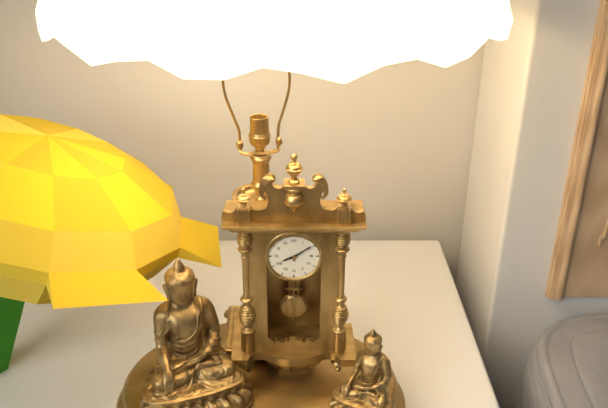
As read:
**8:09**
